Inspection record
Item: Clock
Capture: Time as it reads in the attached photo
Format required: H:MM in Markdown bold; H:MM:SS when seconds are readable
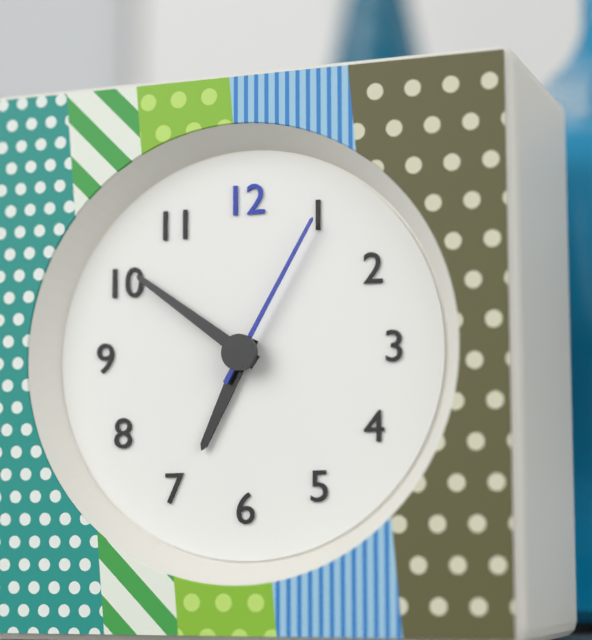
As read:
**6:51:05**
